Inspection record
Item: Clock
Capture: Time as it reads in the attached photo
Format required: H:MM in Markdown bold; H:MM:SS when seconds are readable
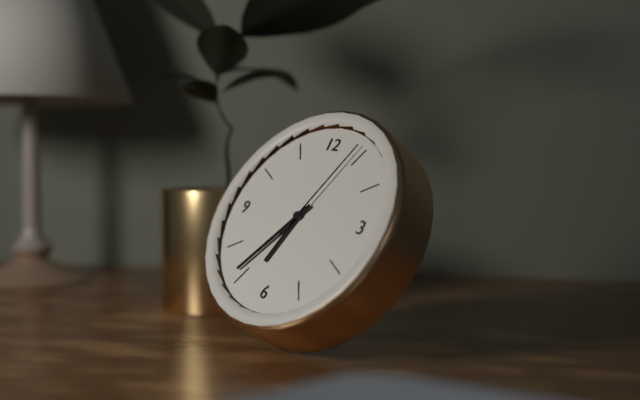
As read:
**6:36:04**
